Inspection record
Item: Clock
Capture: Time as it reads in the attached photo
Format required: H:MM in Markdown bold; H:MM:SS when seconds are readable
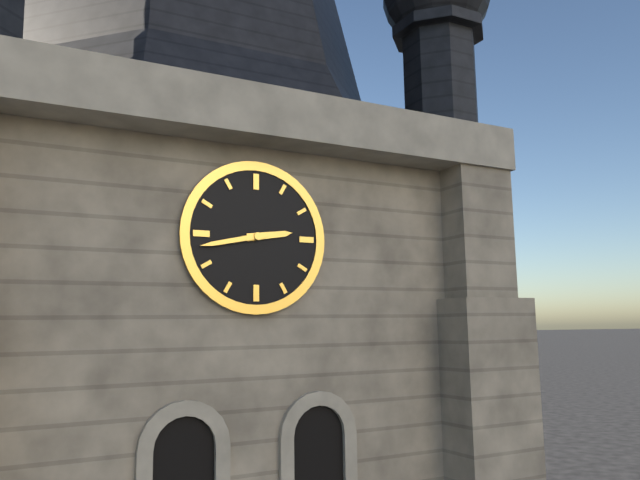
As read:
**2:43**
